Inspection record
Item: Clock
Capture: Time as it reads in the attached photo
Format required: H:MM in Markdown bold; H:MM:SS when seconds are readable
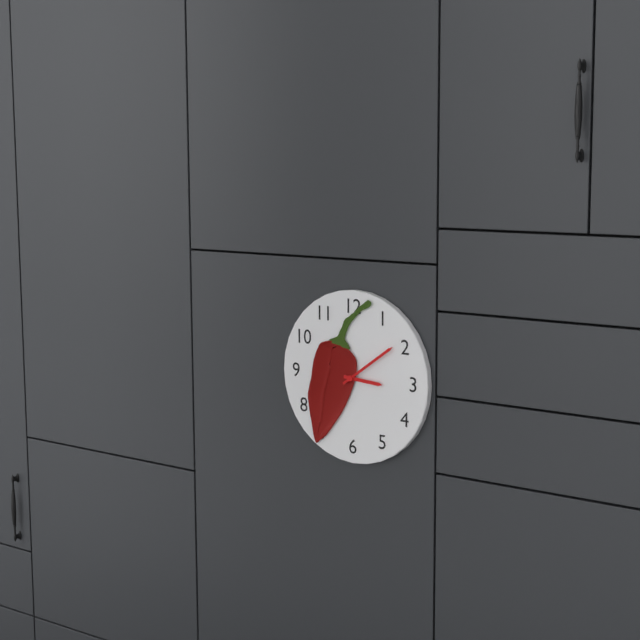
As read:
**3:09**
